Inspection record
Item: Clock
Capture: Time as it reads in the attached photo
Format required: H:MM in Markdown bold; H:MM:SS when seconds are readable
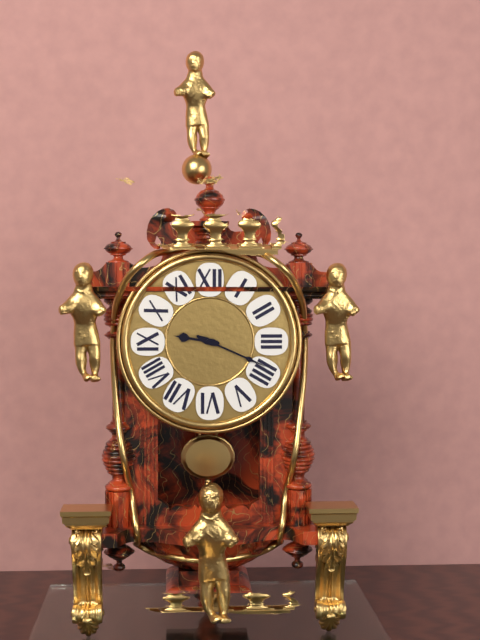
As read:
**9:19**
